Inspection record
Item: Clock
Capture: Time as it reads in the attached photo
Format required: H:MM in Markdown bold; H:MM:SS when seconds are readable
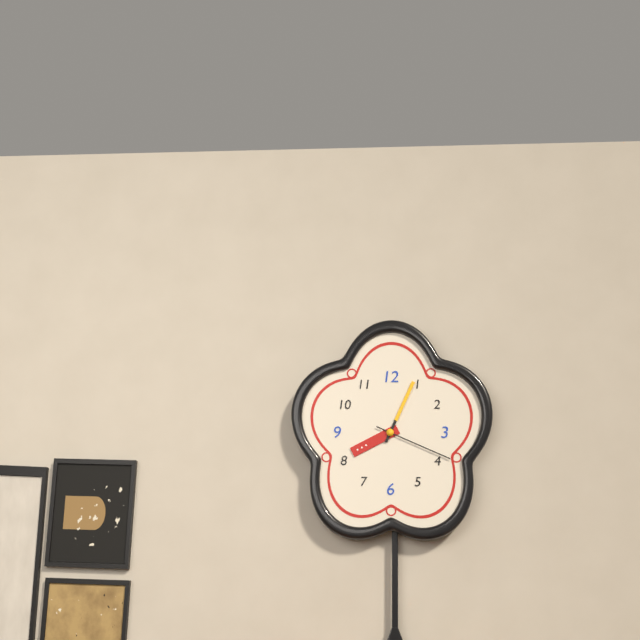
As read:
**8:04:19**
